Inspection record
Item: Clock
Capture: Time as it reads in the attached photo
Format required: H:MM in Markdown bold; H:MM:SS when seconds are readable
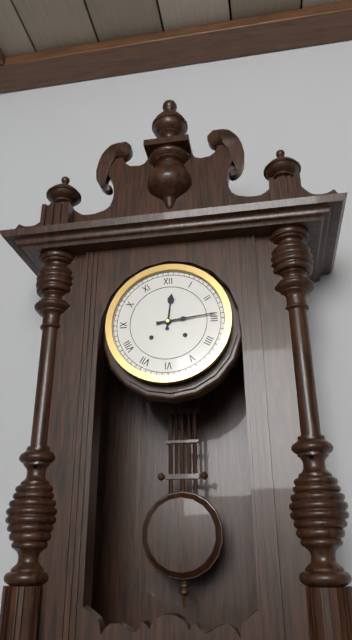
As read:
**12:14**
